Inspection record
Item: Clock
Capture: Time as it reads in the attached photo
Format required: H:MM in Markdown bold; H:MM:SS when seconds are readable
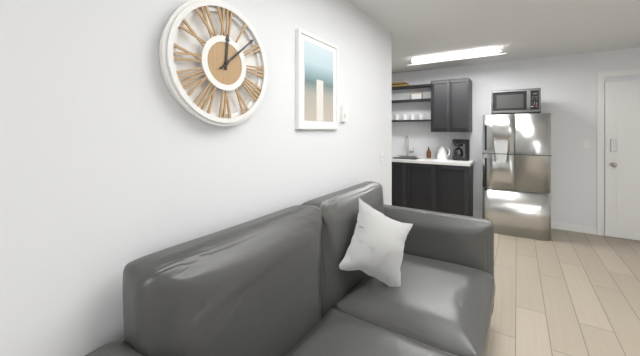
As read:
**12:08**
